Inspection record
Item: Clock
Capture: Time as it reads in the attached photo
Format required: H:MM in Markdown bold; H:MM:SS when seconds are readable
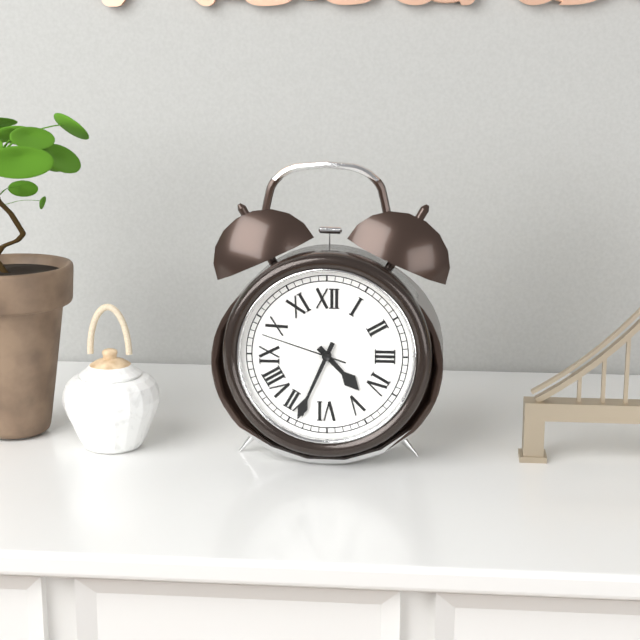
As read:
**4:34:48**
